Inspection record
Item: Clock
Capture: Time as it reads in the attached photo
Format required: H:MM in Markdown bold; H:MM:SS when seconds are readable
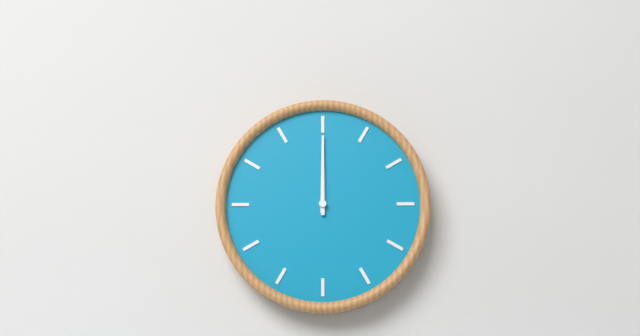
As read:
**12:00**
